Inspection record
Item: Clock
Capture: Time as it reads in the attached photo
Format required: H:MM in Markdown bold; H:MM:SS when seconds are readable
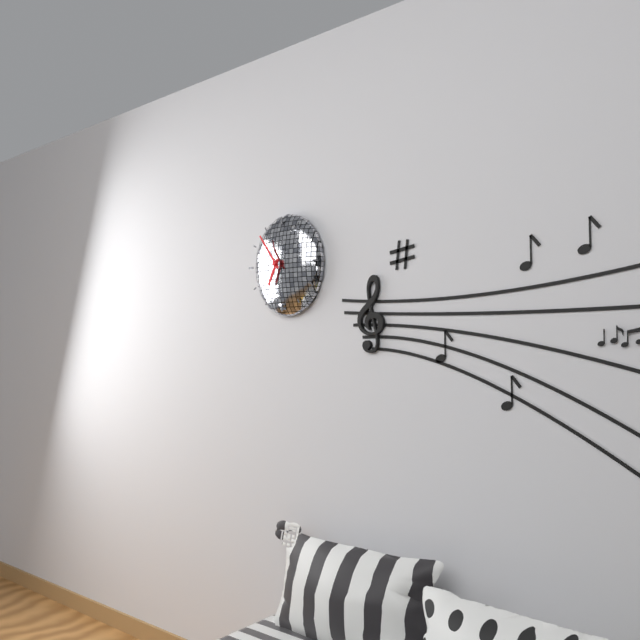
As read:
**6:54**
